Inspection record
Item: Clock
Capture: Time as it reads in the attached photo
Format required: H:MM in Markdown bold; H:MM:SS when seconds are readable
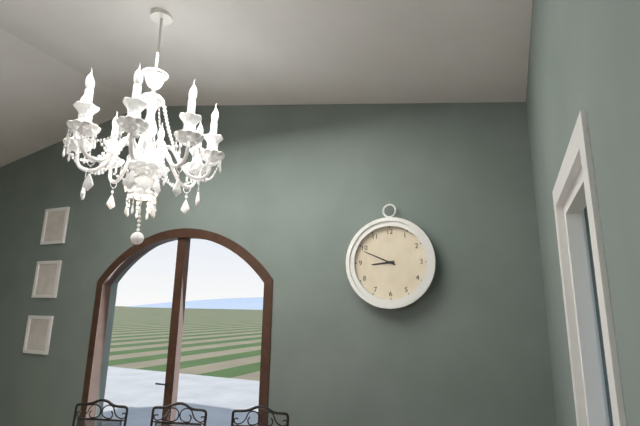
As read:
**8:49**
